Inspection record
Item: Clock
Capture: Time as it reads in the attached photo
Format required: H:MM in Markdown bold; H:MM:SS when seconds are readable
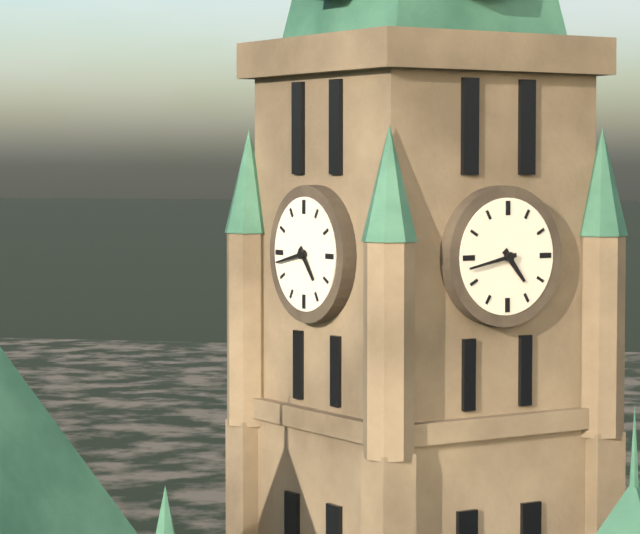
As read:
**4:43**
